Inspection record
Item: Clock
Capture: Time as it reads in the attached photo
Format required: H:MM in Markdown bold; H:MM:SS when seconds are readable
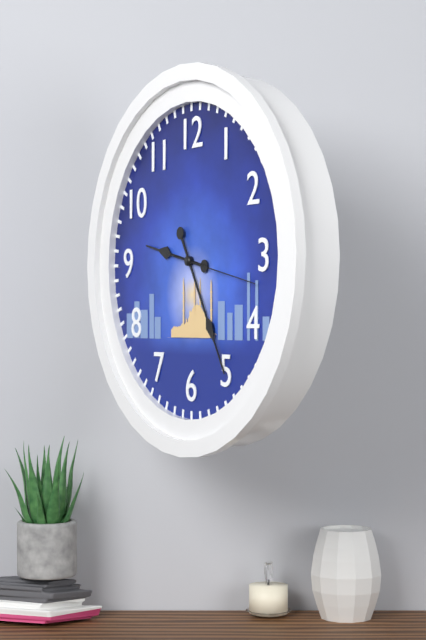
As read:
**9:25:17**
